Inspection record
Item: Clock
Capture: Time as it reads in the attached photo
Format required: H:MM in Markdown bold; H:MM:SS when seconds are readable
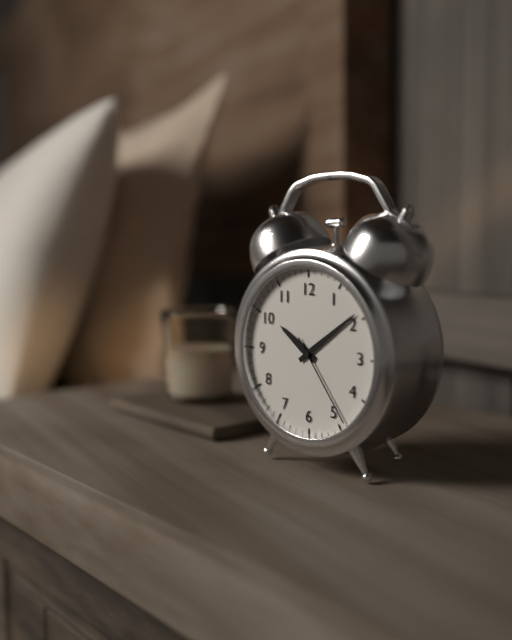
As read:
**10:09:24**
